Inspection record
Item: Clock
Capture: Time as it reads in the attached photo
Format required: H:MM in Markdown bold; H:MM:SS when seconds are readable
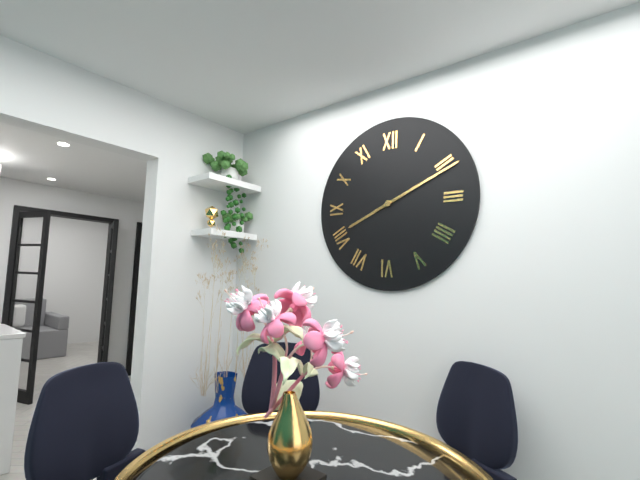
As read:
**8:11**
